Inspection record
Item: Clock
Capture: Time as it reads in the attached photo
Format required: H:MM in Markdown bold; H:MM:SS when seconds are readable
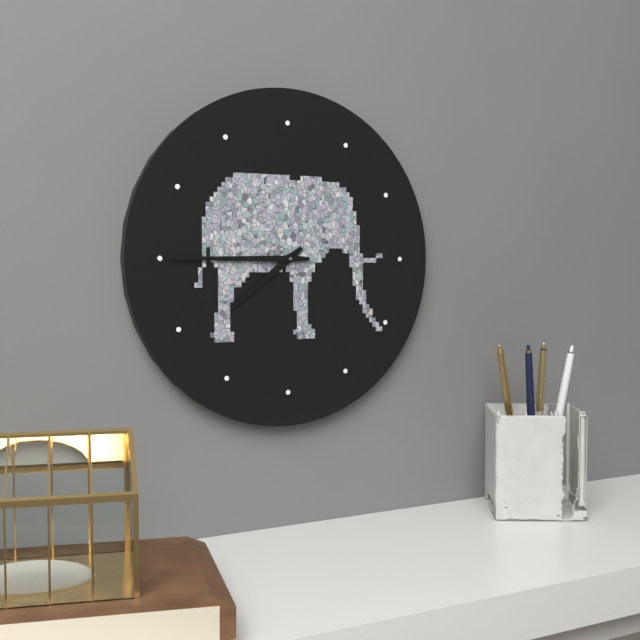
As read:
**7:45**
